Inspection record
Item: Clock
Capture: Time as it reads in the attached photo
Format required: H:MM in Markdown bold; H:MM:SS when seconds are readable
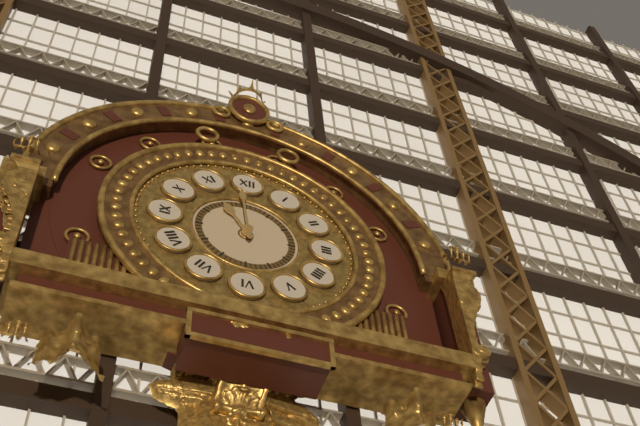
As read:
**10:59**
